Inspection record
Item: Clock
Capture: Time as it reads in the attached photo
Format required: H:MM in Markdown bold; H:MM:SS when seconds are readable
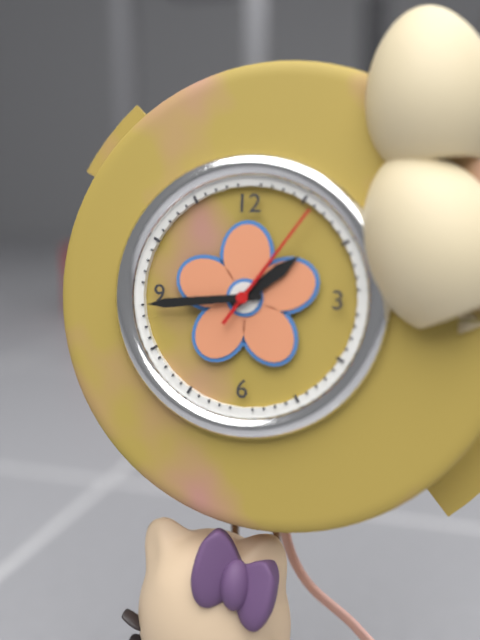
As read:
**1:44:06**
